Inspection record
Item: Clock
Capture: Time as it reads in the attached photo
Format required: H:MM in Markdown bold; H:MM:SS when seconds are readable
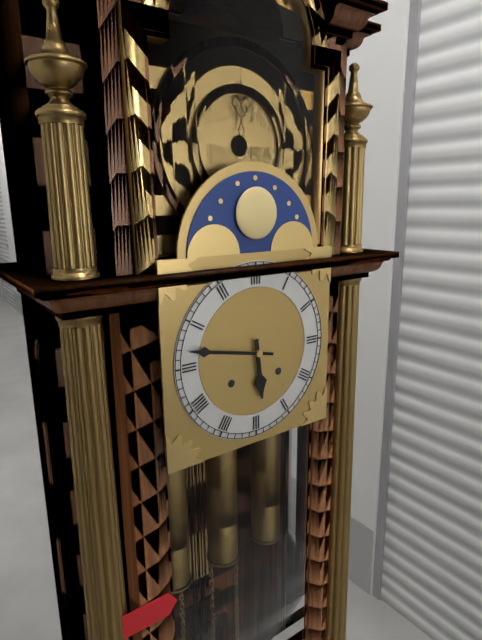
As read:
**5:47**
